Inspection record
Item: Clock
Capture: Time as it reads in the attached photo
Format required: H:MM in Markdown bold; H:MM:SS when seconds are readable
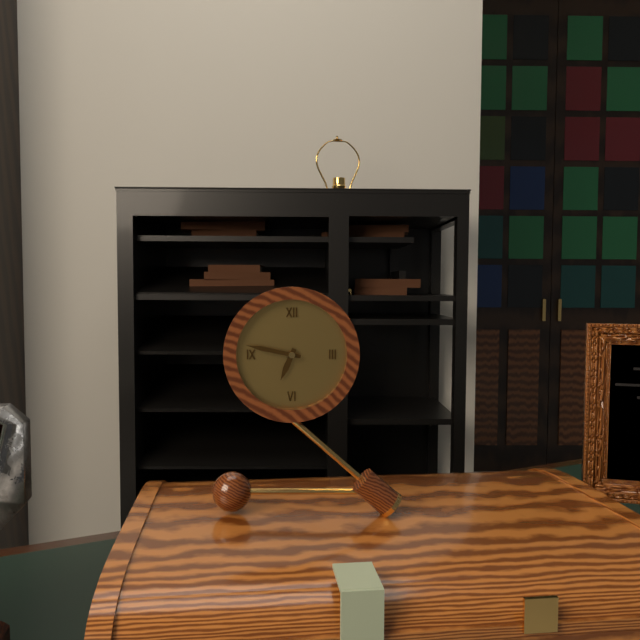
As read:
**6:47**
